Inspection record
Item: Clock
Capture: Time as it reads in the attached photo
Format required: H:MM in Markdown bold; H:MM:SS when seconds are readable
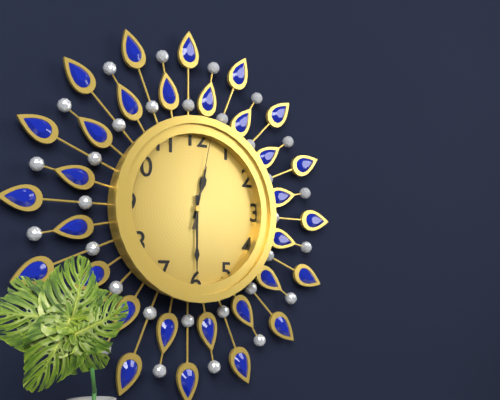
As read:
**12:30:02**
